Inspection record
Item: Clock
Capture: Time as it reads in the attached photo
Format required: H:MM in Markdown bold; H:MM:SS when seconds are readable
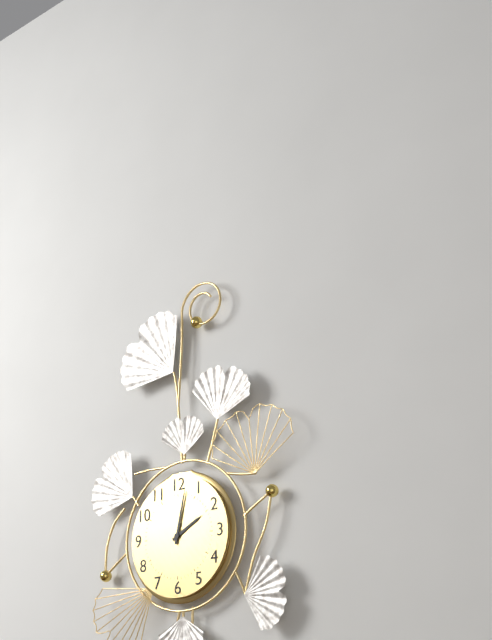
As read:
**2:02**
